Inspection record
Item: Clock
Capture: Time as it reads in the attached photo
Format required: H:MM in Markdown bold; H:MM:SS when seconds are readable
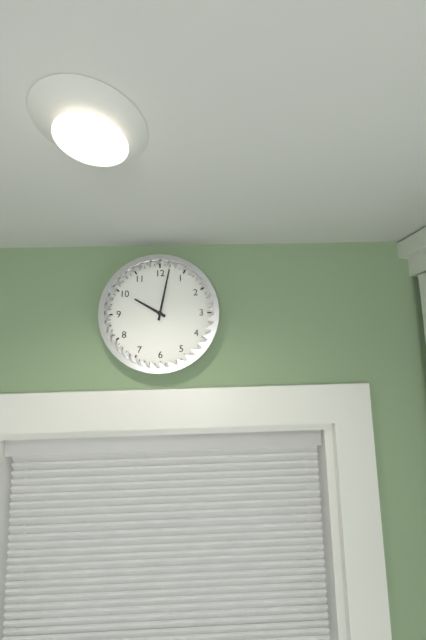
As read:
**10:02**
